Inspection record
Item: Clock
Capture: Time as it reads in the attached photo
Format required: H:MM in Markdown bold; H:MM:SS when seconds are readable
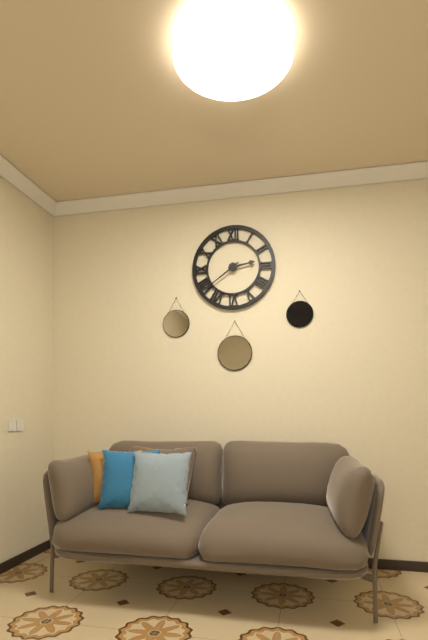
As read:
**2:39**
